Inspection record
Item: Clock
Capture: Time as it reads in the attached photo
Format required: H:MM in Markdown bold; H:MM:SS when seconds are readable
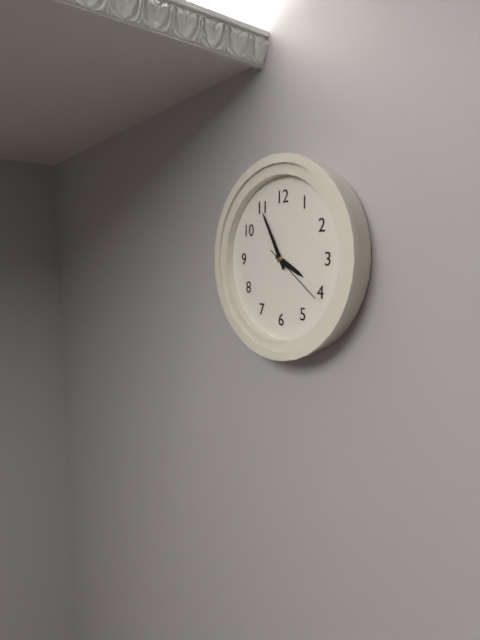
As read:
**3:55:21**
